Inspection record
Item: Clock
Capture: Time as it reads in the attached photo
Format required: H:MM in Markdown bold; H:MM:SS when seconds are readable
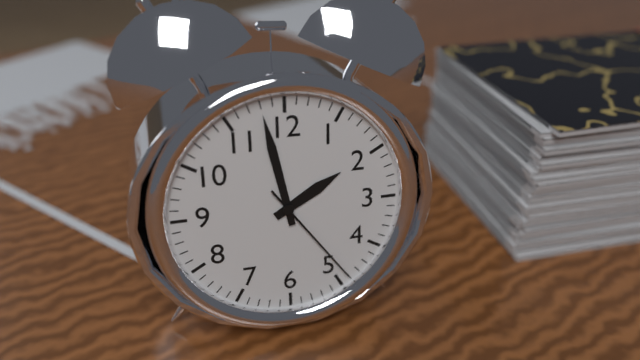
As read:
**1:58:24**
